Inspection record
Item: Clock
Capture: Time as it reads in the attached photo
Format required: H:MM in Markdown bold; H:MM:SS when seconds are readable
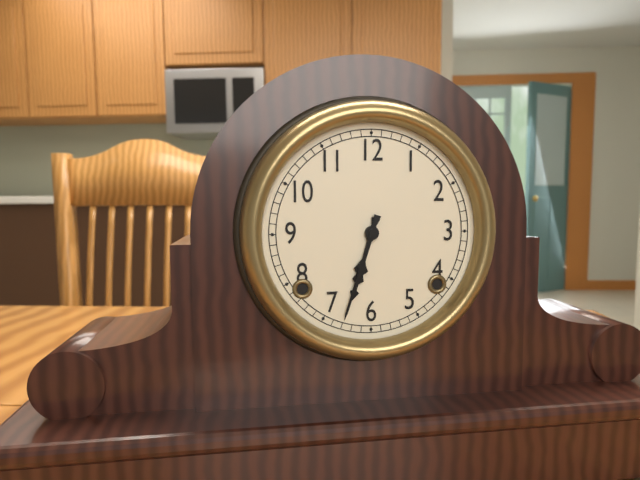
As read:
**6:33**
